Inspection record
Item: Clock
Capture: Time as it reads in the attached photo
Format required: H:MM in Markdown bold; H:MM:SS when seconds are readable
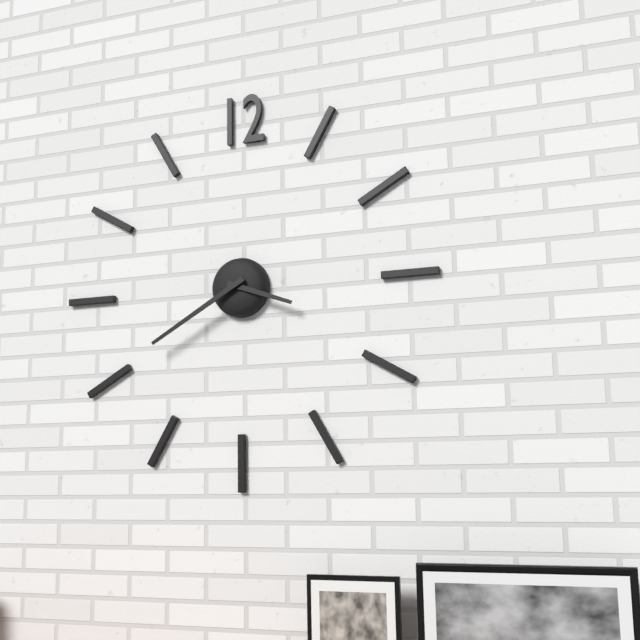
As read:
**3:40**
